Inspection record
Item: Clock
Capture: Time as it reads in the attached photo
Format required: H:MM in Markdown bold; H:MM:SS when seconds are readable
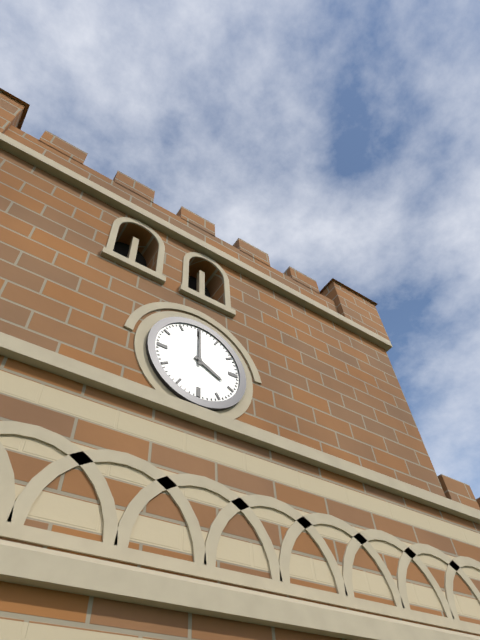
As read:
**4:00**
